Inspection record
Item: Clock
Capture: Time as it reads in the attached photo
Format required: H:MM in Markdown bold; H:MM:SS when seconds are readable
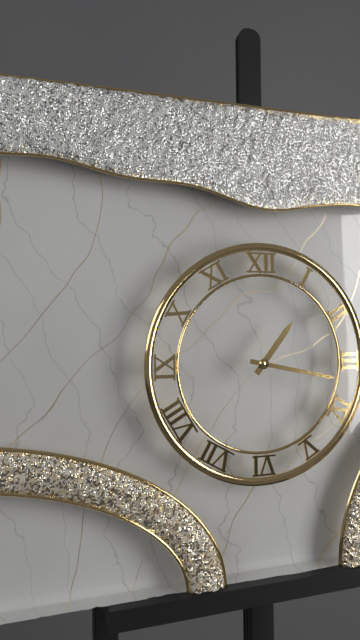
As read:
**1:17**
